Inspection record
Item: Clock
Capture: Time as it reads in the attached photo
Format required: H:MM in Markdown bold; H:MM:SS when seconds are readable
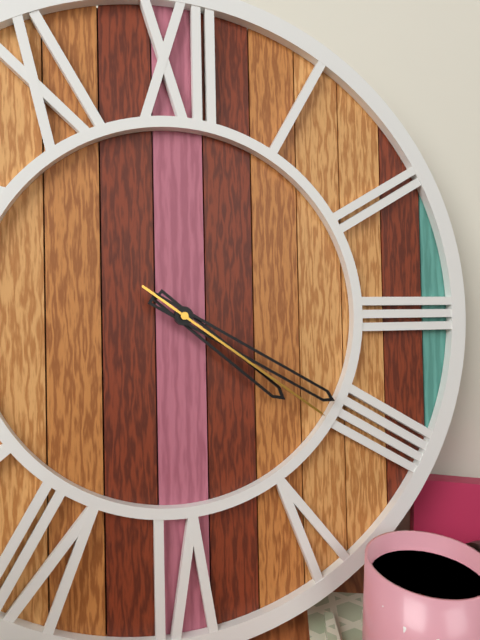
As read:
**4:20:21**
